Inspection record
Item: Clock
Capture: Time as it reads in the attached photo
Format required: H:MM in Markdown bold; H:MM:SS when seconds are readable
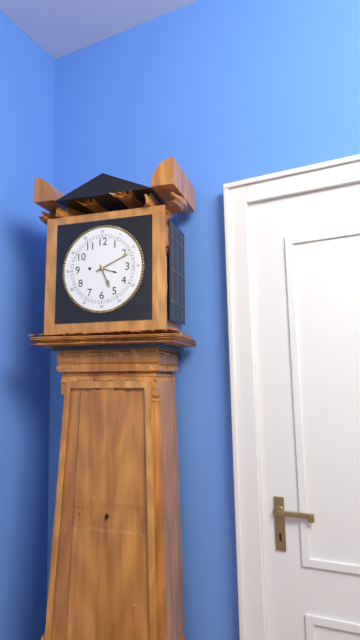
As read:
**5:11**
